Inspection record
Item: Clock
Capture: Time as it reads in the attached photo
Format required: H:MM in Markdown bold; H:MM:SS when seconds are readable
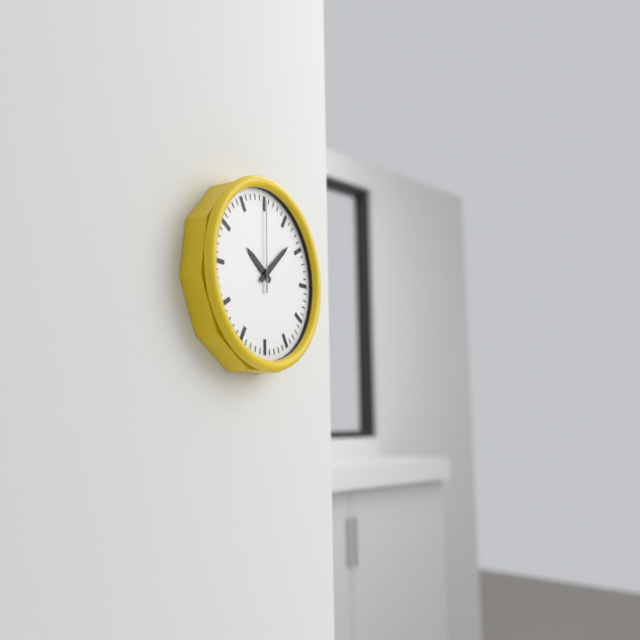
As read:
**10:08:00**
